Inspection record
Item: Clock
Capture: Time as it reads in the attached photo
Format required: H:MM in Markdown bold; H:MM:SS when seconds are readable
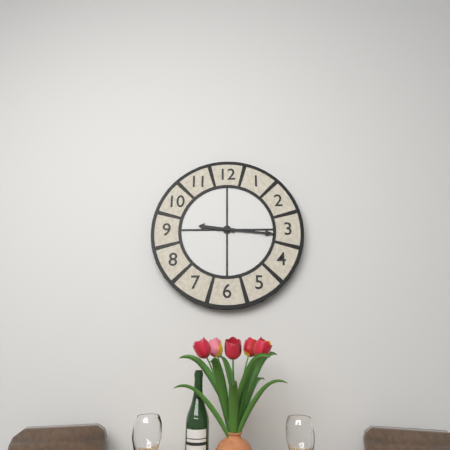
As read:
**9:16**
